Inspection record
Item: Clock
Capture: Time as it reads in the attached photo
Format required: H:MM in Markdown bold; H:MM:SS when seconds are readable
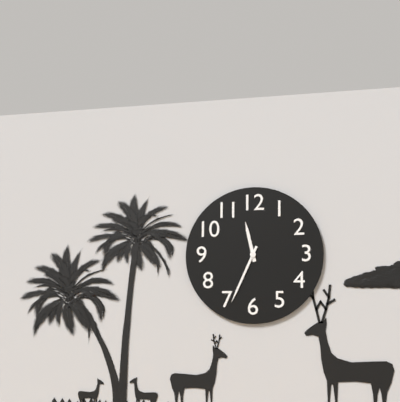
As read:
**11:34**
